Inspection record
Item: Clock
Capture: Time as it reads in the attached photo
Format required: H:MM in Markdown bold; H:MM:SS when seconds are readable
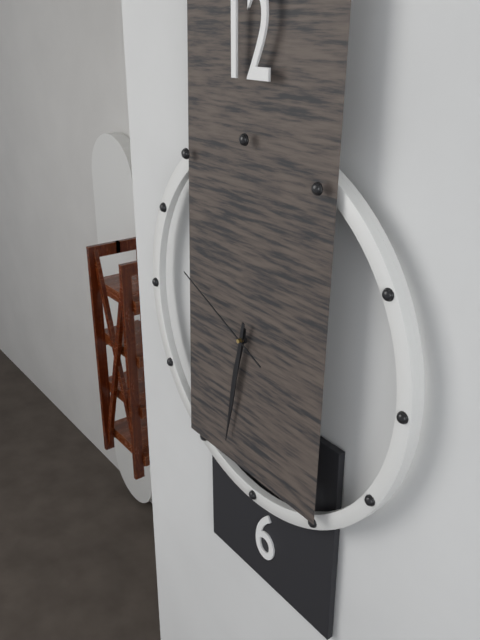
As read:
**6:32:49**
